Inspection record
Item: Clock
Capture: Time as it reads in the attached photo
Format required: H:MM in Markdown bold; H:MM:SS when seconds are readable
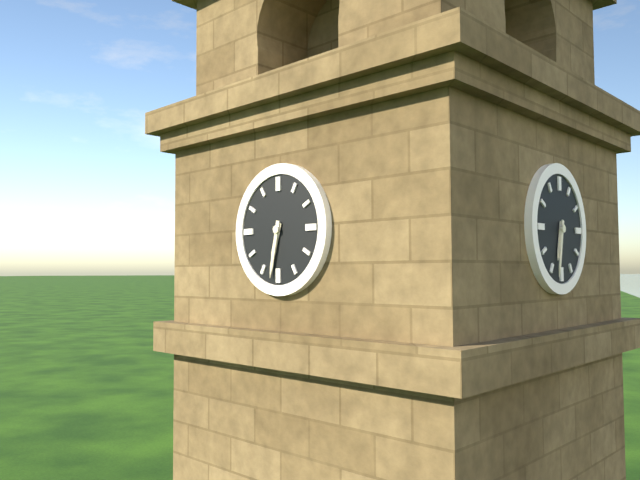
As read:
**6:32**
